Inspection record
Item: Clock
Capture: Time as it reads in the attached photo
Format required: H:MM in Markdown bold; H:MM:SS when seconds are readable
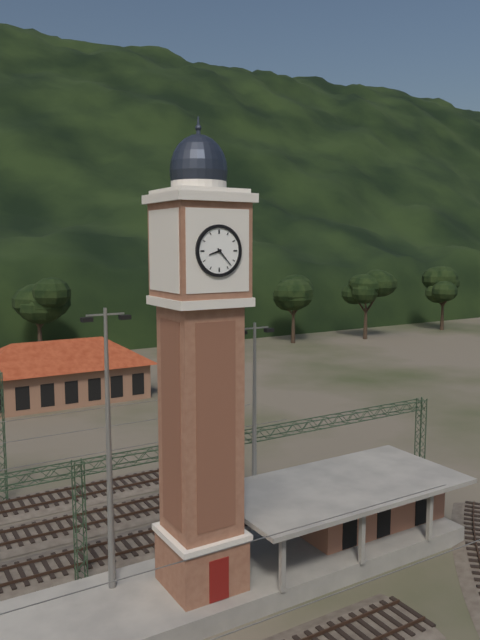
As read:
**8:23**
